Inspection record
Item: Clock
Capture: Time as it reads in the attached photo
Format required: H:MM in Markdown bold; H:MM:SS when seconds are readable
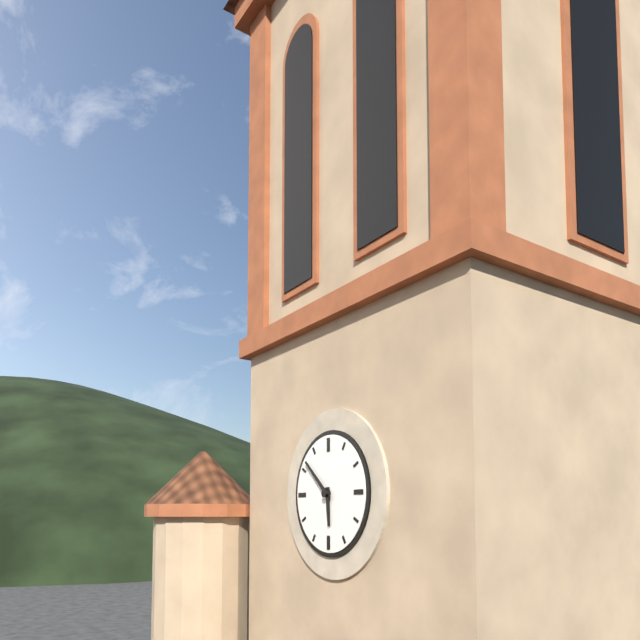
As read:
**5:52**
